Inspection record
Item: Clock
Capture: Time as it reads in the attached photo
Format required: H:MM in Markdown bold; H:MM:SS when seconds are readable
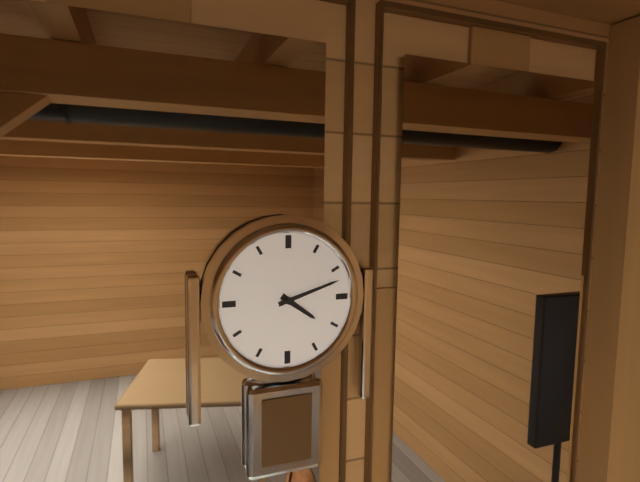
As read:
**4:12**
